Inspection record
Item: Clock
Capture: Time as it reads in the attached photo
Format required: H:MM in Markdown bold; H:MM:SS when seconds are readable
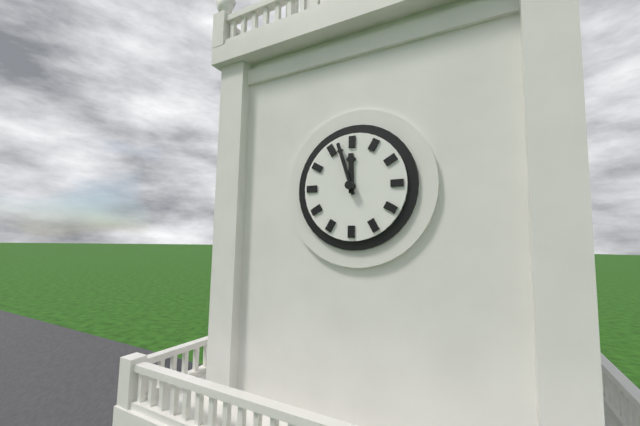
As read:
**11:57**
